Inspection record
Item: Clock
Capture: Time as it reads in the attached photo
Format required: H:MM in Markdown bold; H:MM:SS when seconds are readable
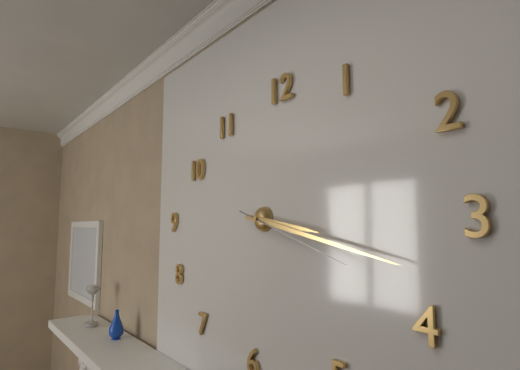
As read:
**3:17:18**
